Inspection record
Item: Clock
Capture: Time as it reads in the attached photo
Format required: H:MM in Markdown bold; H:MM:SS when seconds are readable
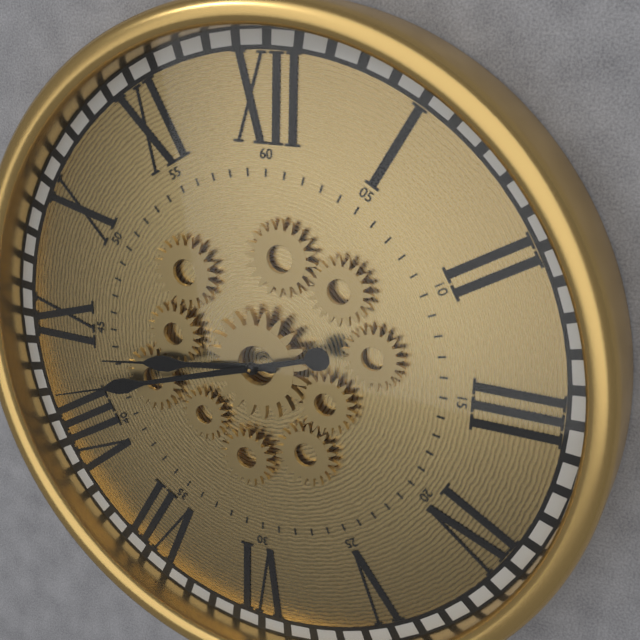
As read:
**8:42**
